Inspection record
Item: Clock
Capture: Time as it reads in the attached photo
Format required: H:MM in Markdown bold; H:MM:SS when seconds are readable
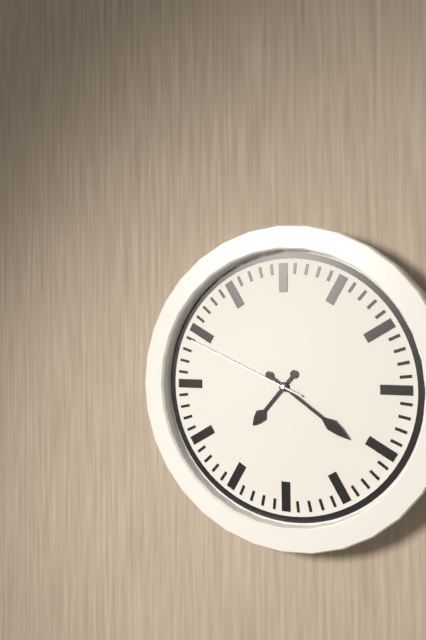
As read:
**7:21:49**
